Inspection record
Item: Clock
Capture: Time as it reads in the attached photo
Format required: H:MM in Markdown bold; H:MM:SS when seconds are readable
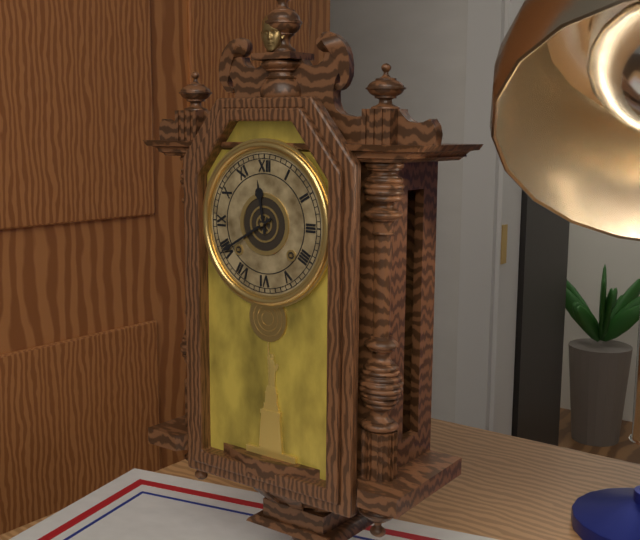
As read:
**11:40**
